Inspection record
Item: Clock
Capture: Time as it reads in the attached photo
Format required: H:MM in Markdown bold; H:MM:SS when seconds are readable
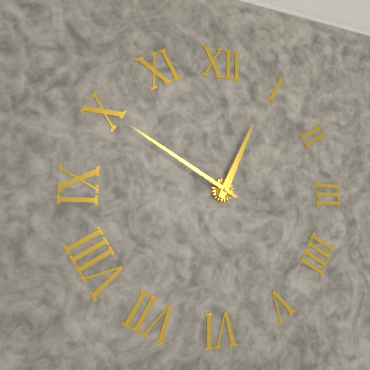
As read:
**12:50**
